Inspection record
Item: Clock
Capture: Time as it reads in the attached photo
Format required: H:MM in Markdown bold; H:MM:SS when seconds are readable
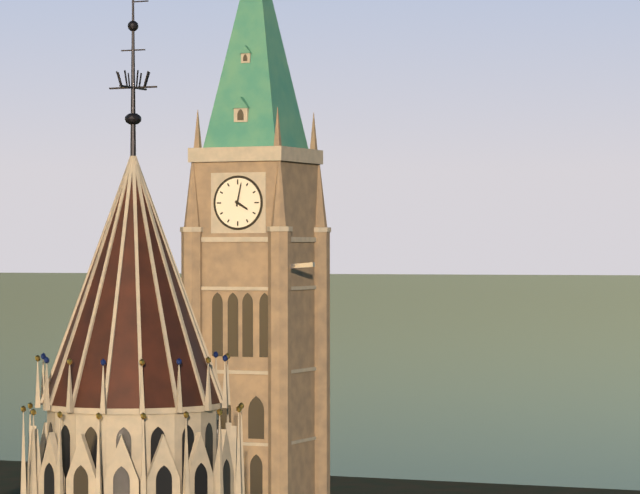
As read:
**4:02**
